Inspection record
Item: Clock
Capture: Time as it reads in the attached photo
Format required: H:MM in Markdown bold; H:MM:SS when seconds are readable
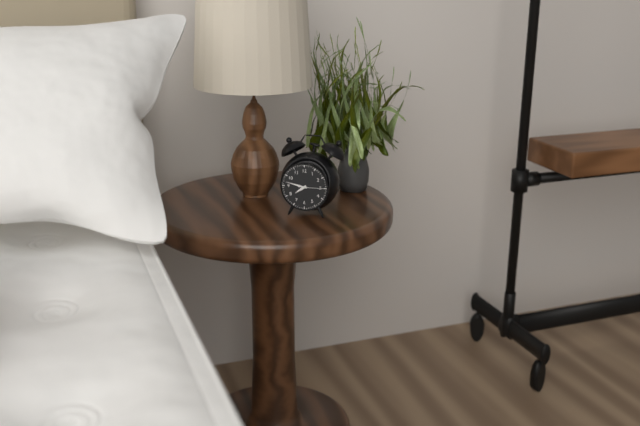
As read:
**7:47**
